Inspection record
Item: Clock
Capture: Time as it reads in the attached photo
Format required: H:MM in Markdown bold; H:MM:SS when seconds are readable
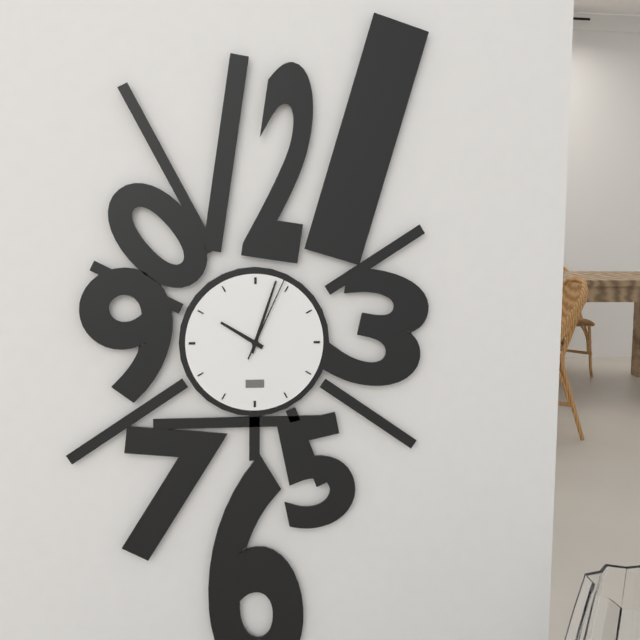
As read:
**10:03:04**
